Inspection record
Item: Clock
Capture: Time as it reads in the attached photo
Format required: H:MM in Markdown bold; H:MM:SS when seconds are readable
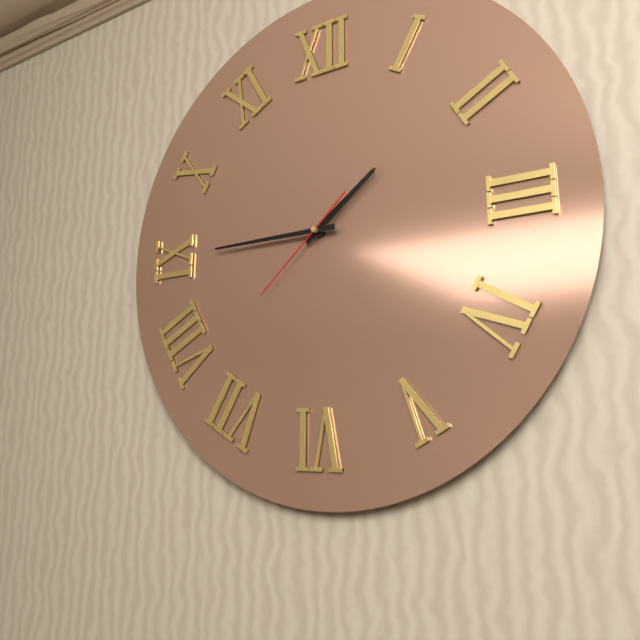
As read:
**1:45:38**
